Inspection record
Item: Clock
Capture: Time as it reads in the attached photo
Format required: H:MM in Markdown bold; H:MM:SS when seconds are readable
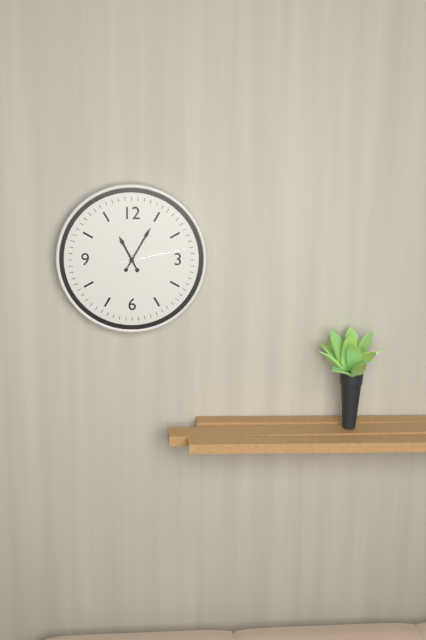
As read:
**11:05:13**
